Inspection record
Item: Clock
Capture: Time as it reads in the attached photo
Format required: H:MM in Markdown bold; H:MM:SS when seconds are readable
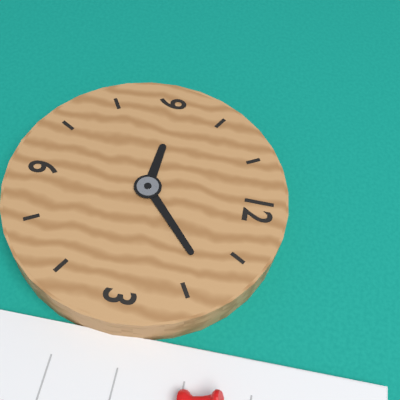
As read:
**9:08**
